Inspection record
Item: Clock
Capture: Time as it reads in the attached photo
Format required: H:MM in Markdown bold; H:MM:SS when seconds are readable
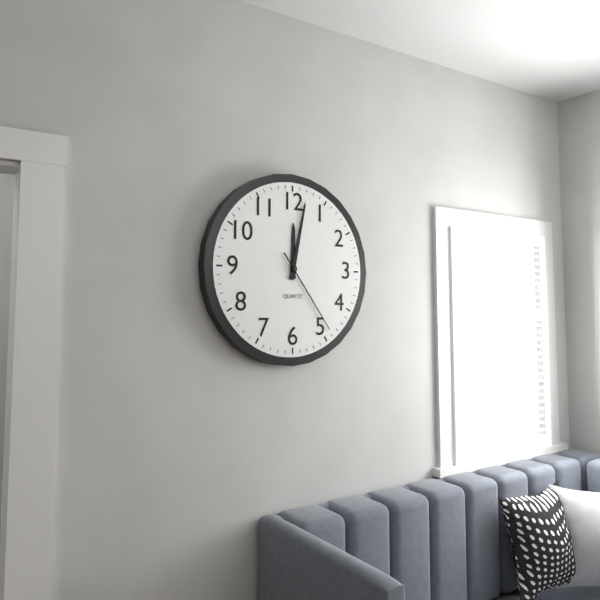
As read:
**12:02:24**
